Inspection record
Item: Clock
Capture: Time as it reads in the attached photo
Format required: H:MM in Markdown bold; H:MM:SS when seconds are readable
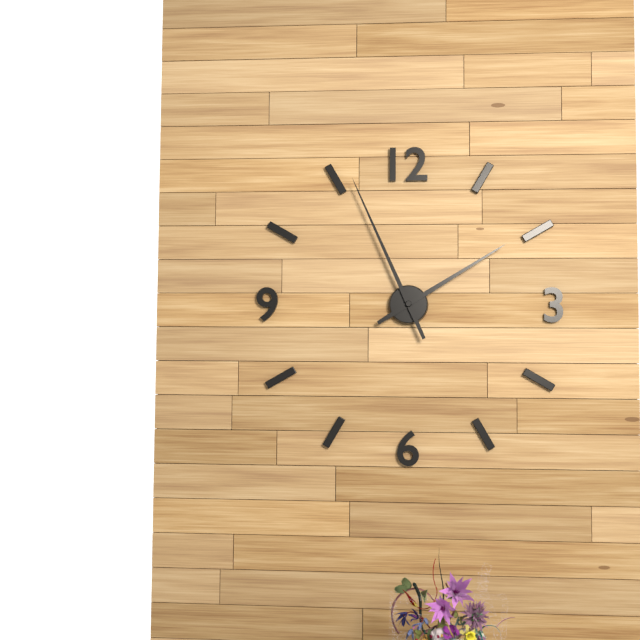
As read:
**1:56**
